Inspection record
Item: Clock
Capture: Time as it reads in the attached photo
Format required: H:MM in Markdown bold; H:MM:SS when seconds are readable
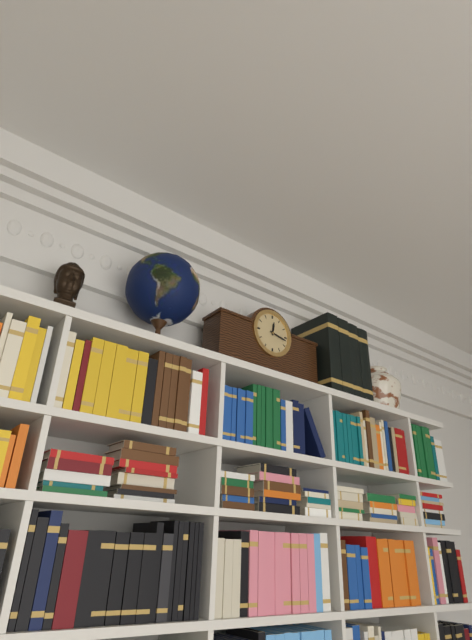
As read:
**12:17**
